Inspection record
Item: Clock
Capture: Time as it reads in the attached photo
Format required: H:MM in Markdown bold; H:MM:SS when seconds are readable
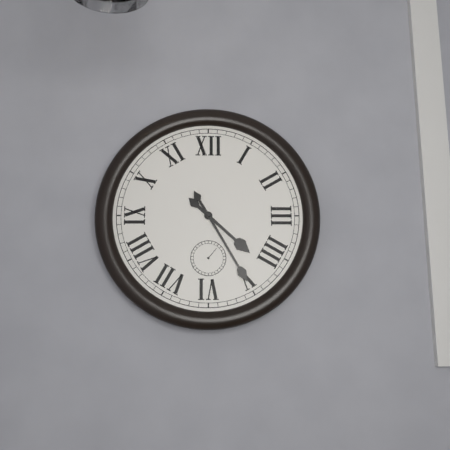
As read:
**4:25**
